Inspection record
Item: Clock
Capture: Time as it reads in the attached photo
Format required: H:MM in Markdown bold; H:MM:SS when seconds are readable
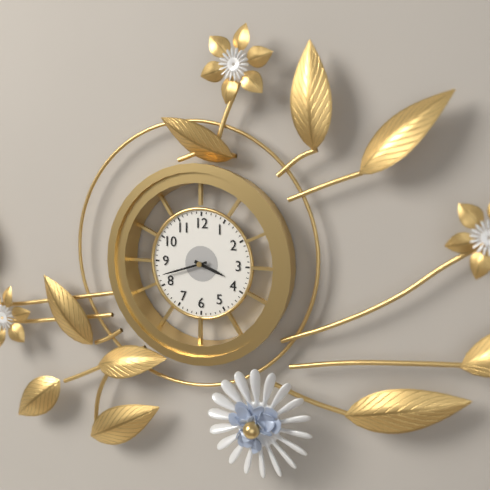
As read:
**3:42**
